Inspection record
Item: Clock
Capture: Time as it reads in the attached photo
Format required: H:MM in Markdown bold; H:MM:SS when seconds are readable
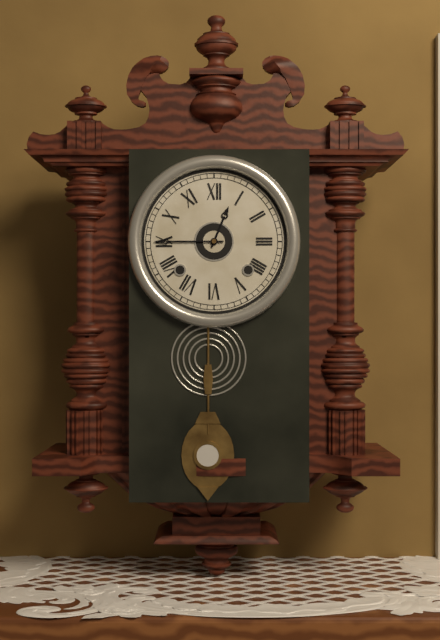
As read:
**12:45**
